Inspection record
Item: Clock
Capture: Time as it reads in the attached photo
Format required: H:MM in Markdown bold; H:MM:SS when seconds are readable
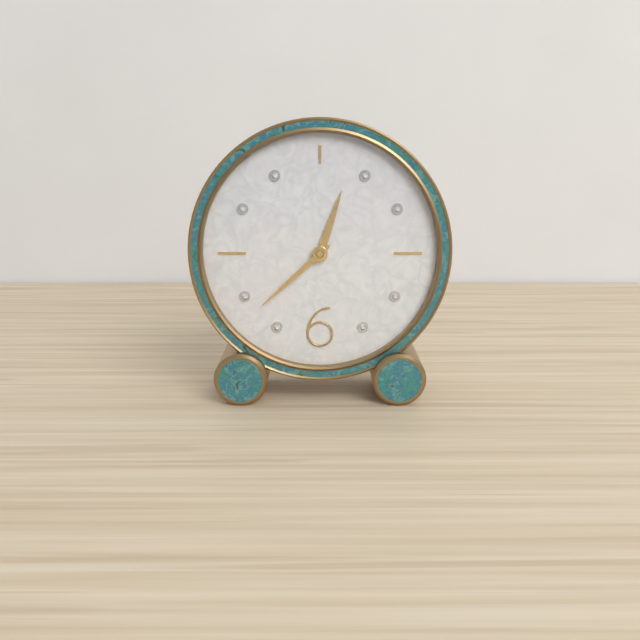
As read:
**12:38**
